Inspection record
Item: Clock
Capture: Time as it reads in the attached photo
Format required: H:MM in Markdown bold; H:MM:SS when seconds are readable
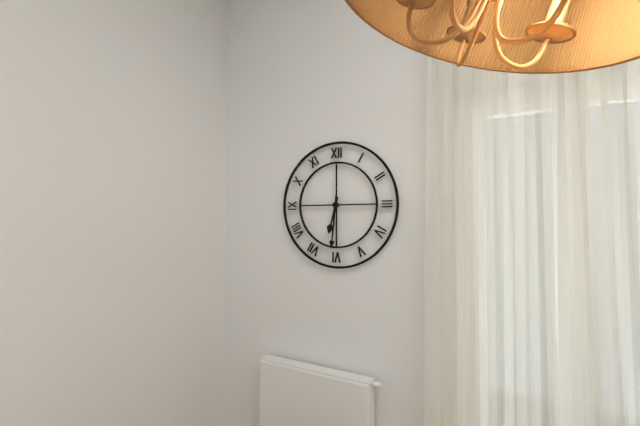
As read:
**6:31**
